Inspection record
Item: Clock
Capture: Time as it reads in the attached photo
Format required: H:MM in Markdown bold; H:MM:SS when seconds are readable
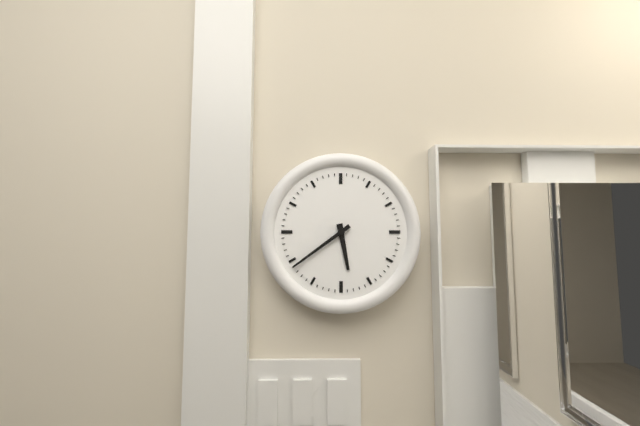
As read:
**5:39**
